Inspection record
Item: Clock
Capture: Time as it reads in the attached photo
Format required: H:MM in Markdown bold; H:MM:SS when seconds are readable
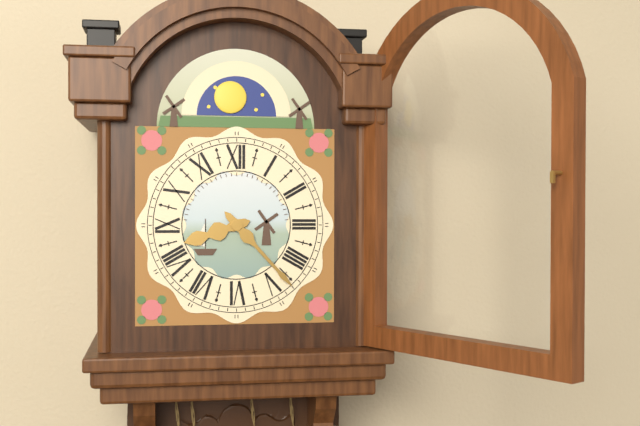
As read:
**8:23**
